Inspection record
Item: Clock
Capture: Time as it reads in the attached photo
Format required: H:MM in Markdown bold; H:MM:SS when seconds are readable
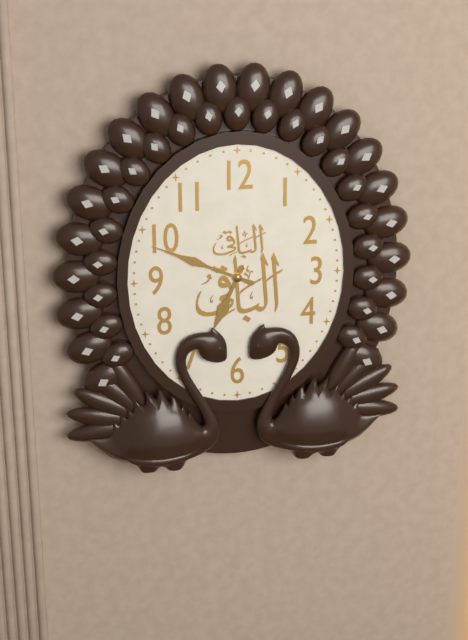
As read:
**6:49**
